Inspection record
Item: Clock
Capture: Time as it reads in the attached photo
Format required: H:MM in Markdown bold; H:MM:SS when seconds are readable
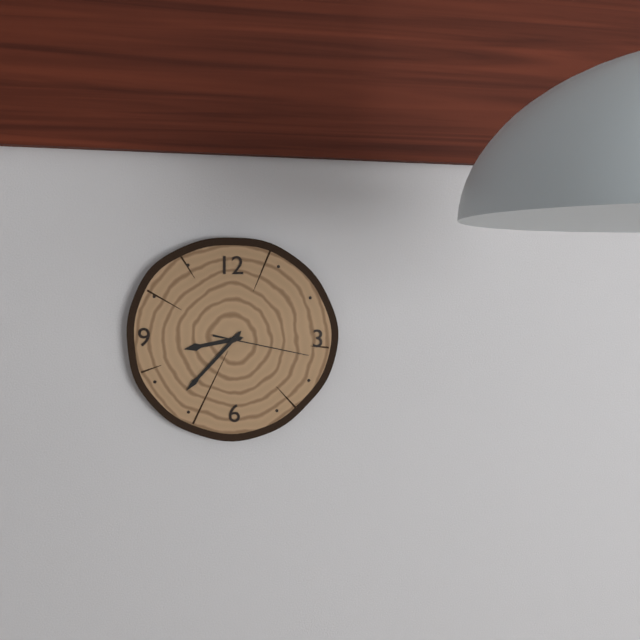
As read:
**8:37:17**
